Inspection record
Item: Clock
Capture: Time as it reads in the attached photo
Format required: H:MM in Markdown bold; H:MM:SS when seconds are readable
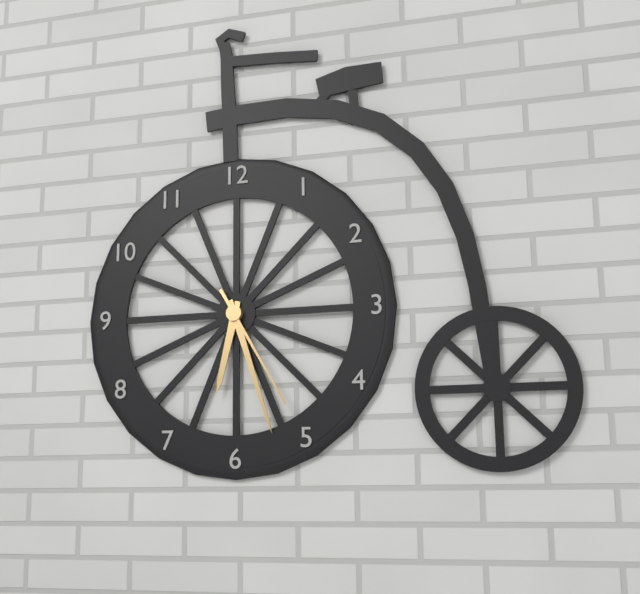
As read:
**6:27:25**
